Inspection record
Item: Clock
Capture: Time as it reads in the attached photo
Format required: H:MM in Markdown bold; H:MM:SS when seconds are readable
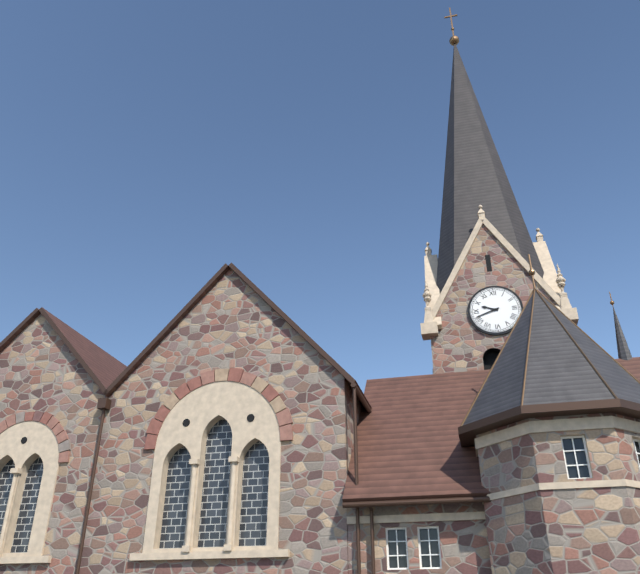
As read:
**9:42**
